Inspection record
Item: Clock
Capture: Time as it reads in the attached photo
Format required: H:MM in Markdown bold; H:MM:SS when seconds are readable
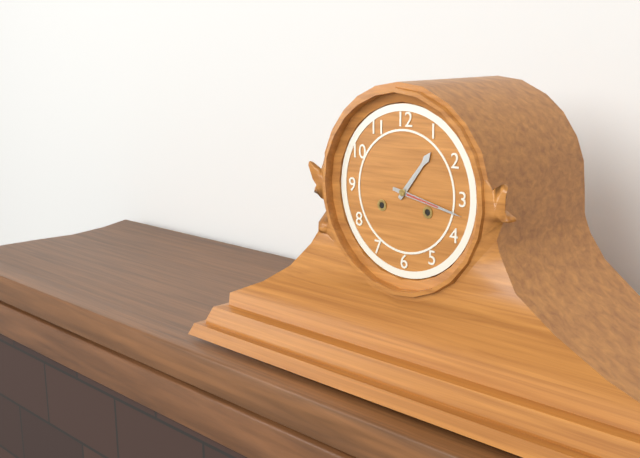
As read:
**1:17**
